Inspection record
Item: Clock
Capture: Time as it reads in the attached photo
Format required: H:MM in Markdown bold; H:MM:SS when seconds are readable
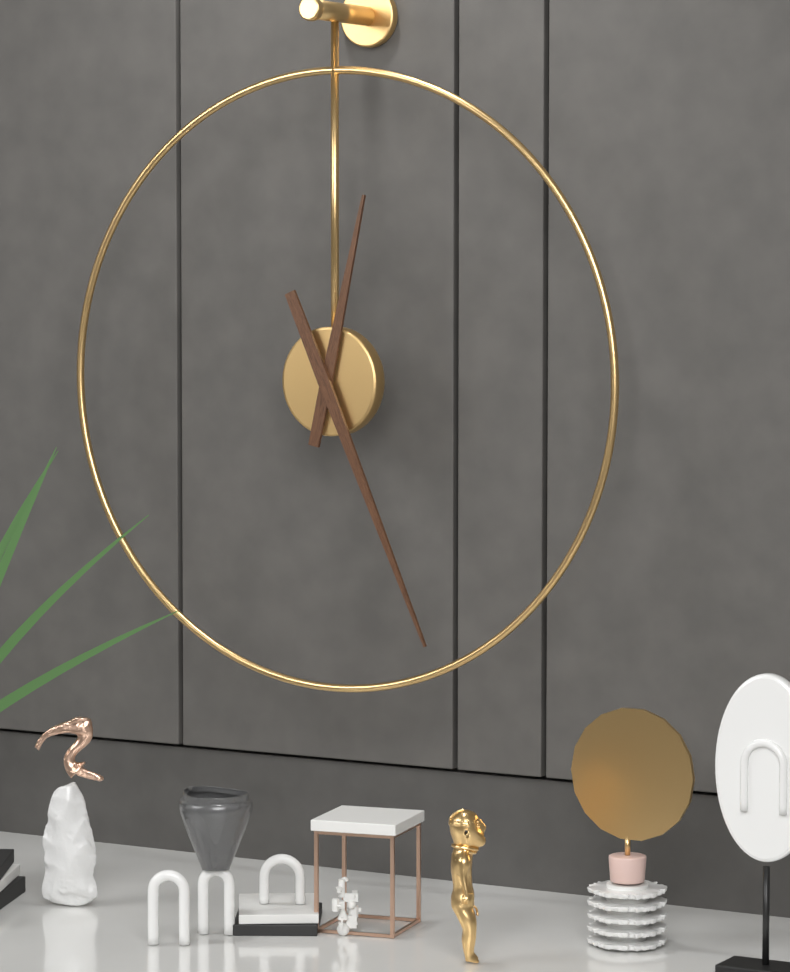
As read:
**12:26**
